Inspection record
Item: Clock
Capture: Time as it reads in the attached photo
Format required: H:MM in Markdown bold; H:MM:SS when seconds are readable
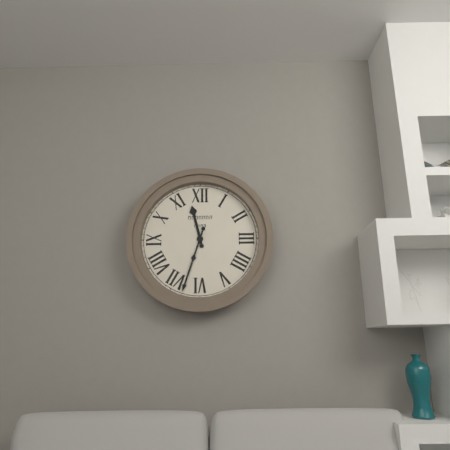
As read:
**11:33**
